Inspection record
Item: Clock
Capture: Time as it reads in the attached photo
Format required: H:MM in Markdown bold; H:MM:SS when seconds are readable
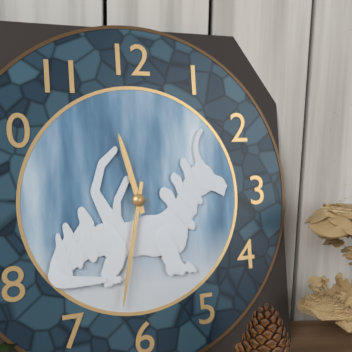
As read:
**11:32**
